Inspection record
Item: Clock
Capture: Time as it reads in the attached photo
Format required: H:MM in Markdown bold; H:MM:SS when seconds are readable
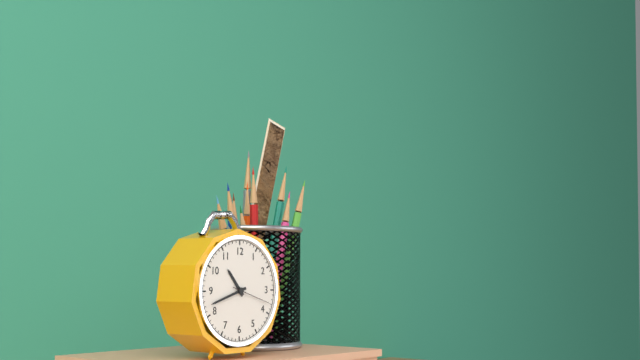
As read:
**10:42**
